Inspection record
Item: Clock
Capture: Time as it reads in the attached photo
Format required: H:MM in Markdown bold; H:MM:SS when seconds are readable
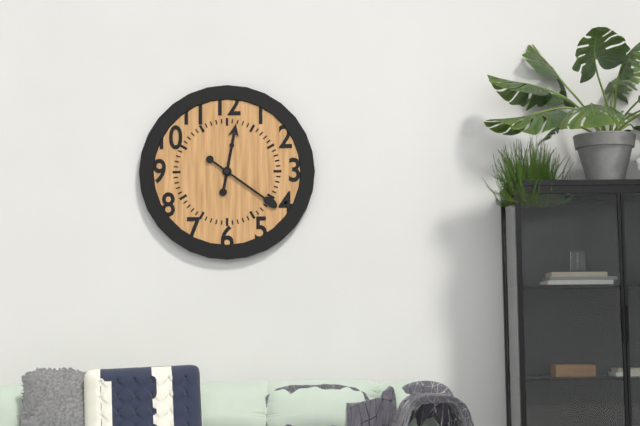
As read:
**12:21**
